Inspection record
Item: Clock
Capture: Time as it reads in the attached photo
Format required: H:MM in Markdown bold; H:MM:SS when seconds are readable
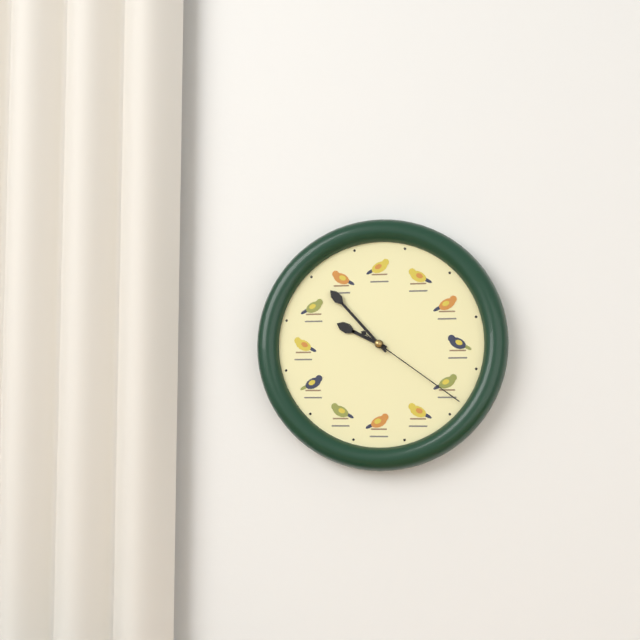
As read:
**9:53:21**
